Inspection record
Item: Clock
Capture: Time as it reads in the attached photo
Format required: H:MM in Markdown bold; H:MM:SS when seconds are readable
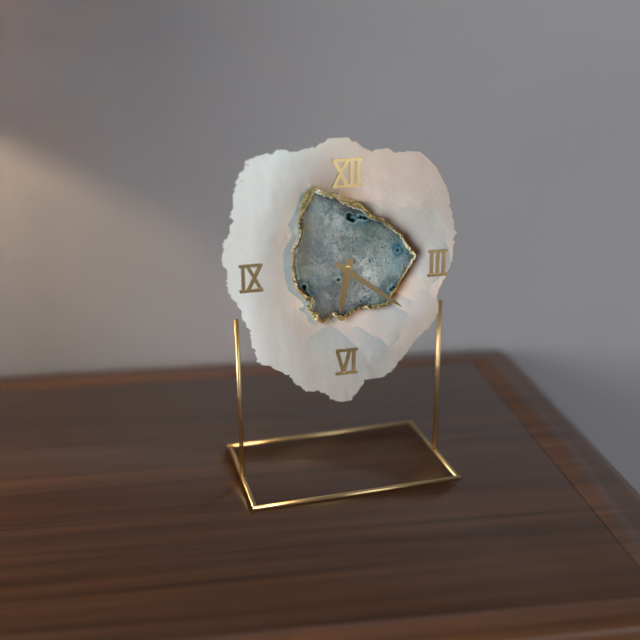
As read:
**6:21**
